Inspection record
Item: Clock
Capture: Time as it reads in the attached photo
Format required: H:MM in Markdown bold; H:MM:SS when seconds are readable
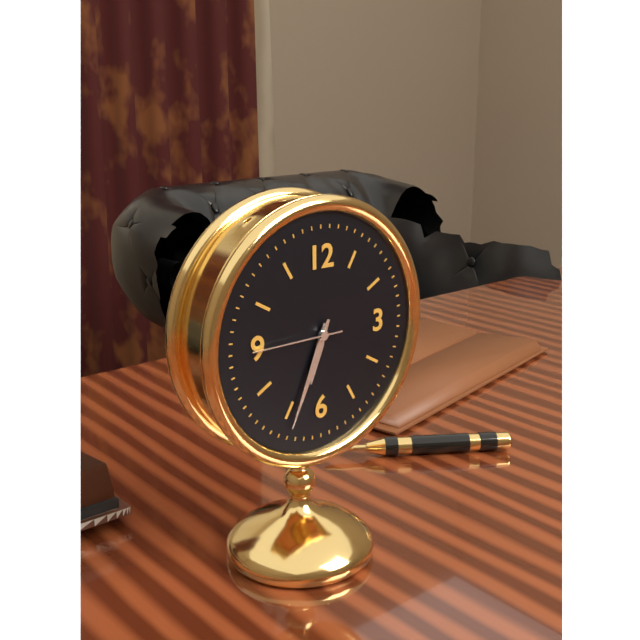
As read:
**6:34:45**
